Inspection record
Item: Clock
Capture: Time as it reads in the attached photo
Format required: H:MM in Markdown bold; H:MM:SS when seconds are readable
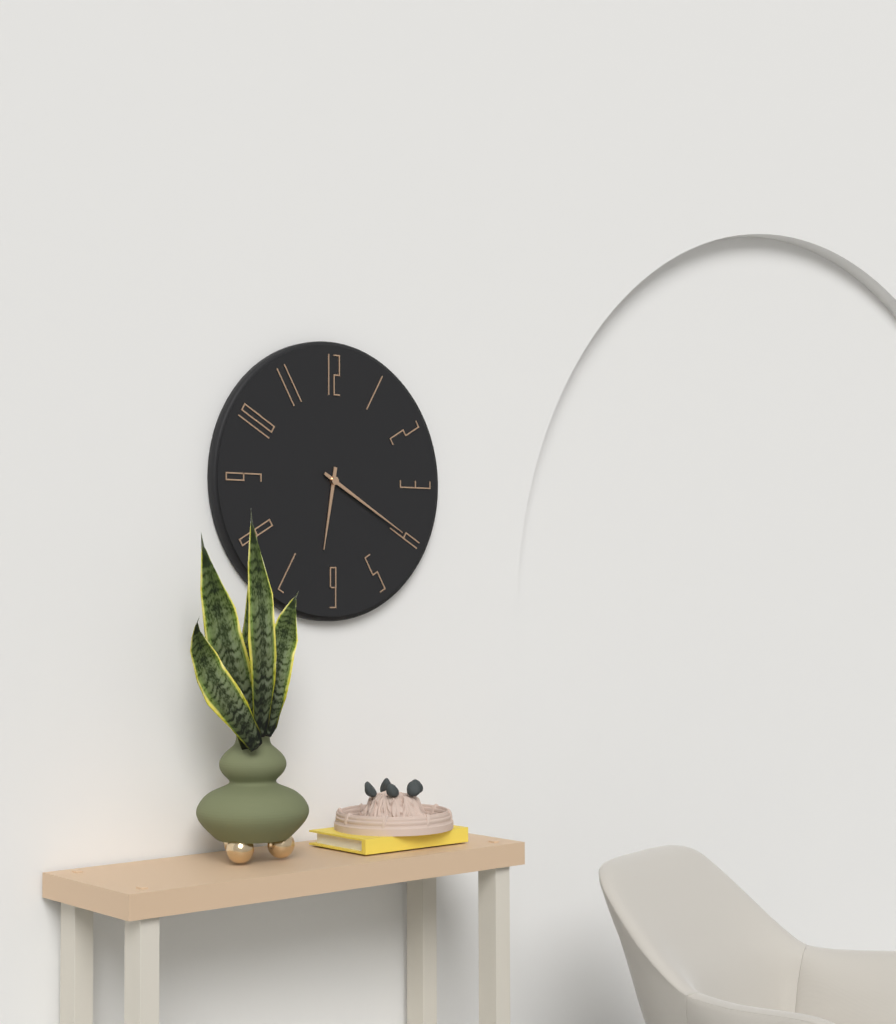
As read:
**6:20**
